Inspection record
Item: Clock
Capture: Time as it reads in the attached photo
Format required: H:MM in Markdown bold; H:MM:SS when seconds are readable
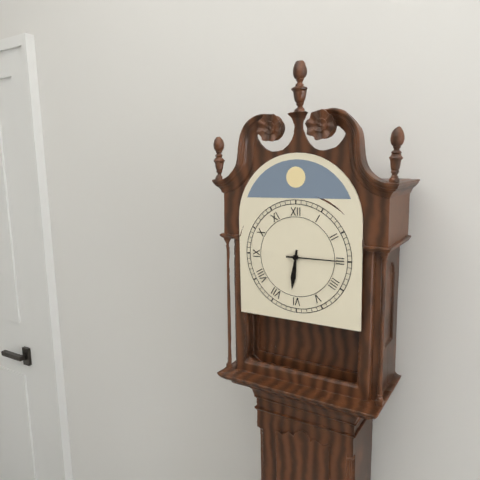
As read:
**6:15**
